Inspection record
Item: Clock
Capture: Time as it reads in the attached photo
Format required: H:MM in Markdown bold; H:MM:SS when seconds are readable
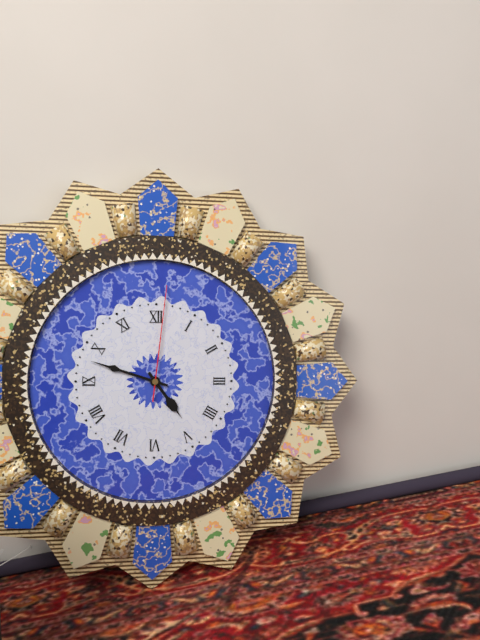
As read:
**4:48:01**
